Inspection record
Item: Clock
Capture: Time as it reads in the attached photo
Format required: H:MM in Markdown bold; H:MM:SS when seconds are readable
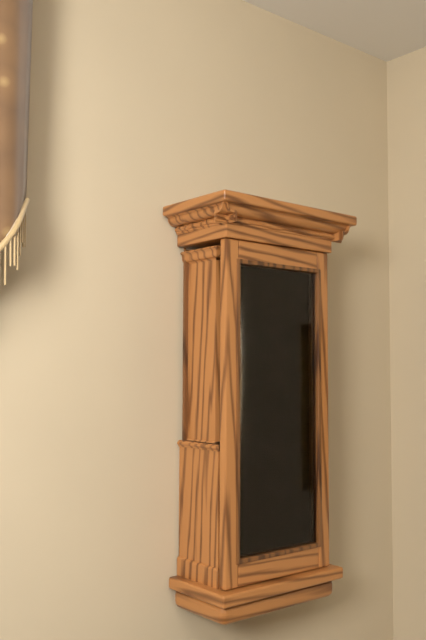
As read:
**7:18**
